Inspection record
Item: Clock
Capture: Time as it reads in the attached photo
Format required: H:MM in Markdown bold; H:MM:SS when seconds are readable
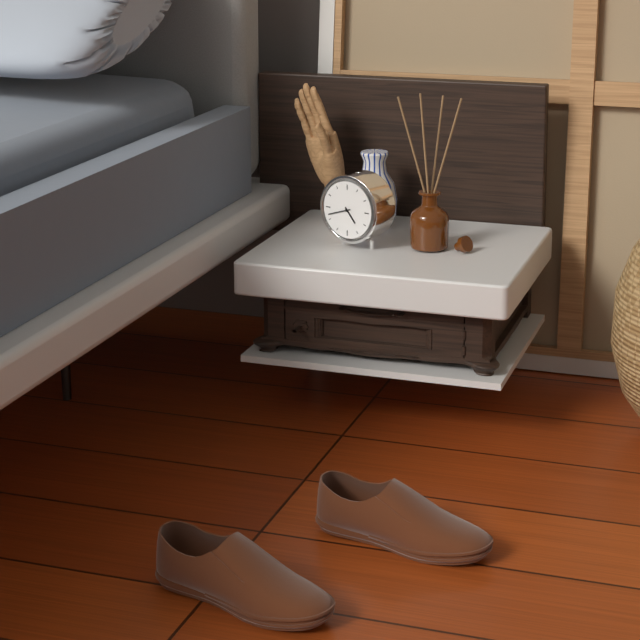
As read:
**4:42**
